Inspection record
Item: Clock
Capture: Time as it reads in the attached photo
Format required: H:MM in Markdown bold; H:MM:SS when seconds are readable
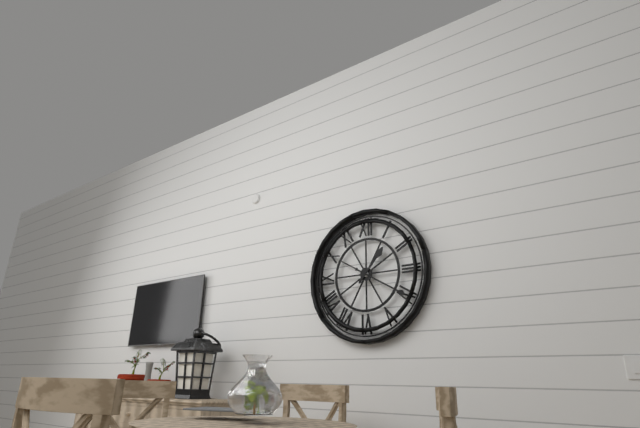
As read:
**1:20**
